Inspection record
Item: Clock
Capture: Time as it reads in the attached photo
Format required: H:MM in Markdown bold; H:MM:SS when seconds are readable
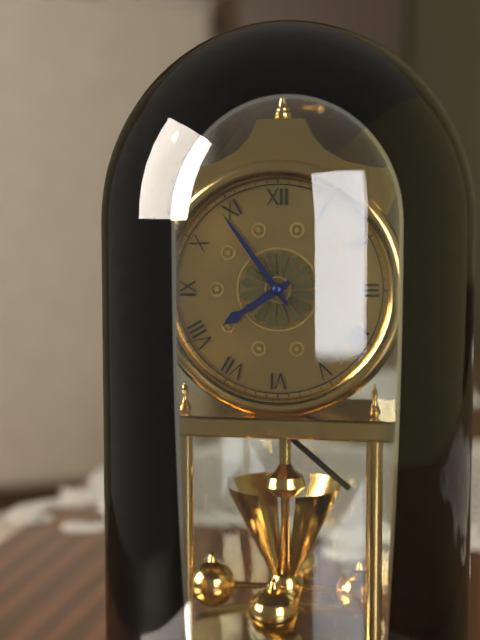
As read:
**7:54**
